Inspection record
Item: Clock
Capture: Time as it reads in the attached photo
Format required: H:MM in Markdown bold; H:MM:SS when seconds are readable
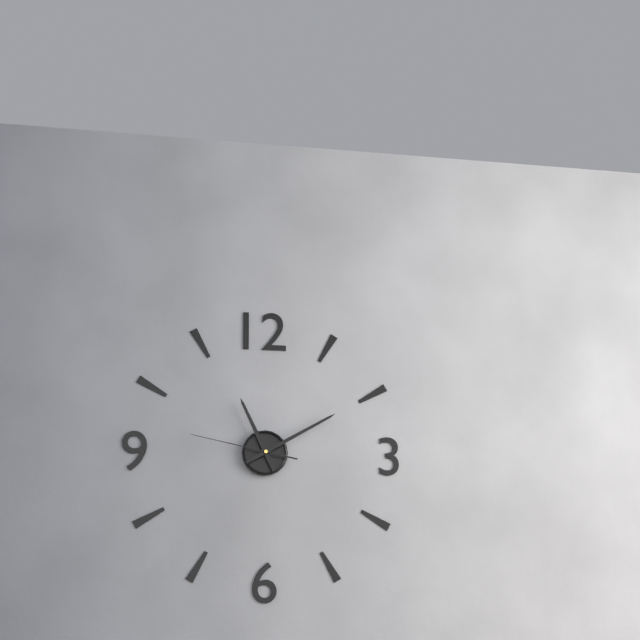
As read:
**11:10:47**
